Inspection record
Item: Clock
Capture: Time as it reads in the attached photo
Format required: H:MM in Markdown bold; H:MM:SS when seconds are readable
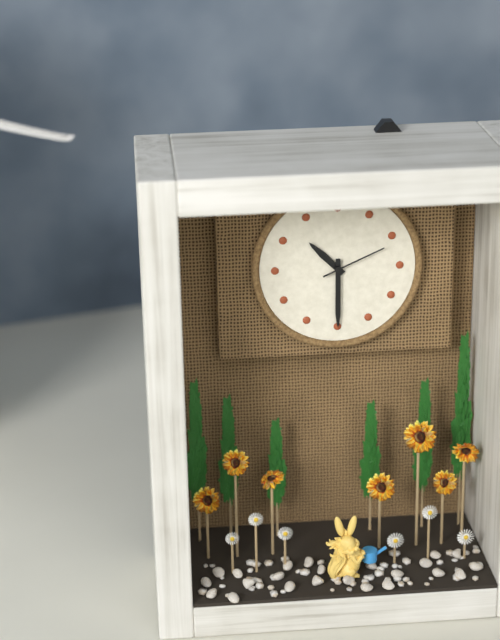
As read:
**10:30:11**
